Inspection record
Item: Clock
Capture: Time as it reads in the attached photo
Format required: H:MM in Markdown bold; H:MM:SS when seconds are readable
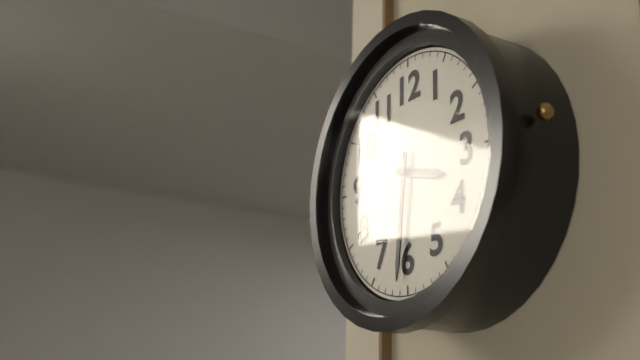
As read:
**3:31**
